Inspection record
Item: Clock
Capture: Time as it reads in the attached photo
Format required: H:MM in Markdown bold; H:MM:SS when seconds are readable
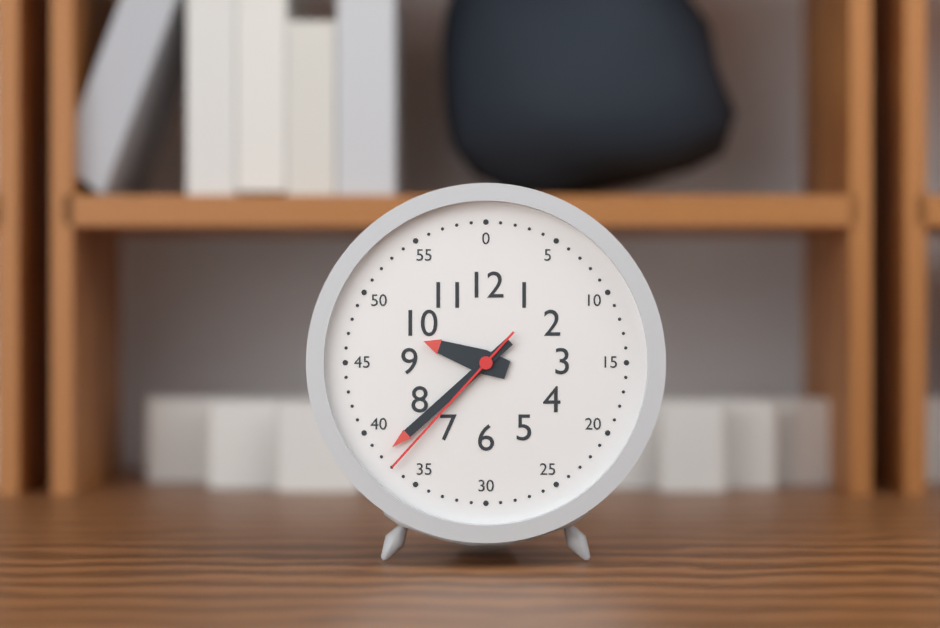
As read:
**9:38:37**
